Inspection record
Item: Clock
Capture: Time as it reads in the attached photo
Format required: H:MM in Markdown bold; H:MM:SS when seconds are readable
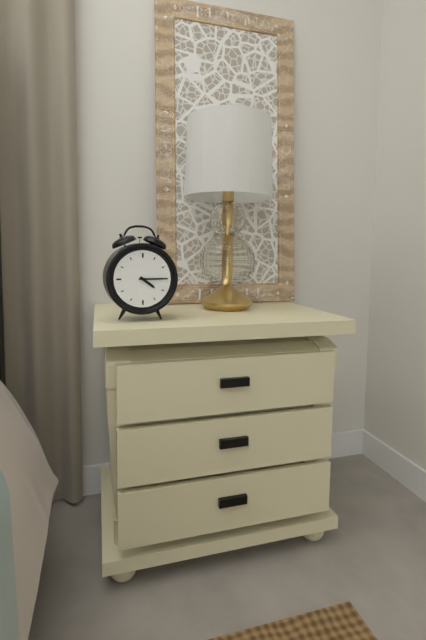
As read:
**4:15**
